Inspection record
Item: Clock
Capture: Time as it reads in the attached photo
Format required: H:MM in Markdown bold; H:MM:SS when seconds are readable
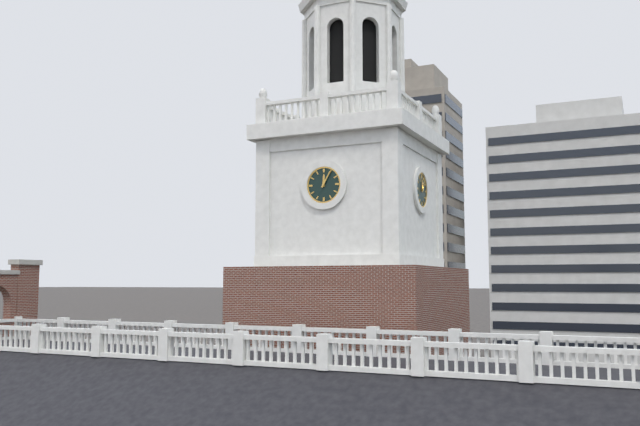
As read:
**12:05**
